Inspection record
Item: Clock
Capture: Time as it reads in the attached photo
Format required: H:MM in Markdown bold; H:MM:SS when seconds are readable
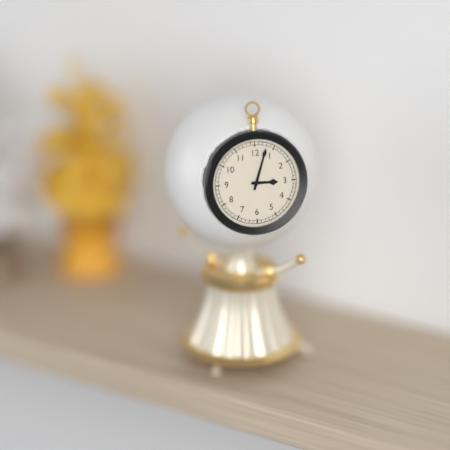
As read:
**3:03**
